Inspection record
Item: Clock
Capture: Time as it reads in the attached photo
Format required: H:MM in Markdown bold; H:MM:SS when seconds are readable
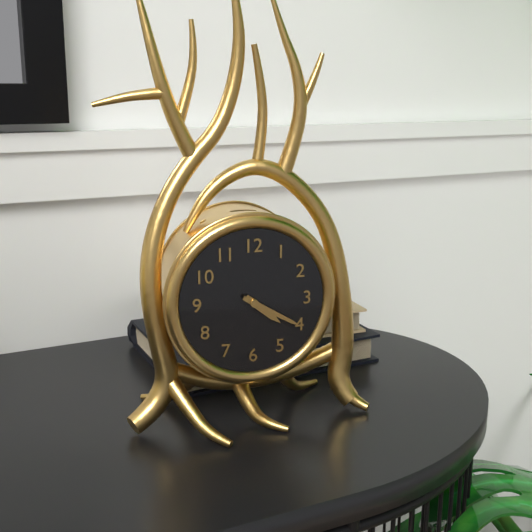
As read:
**4:20**
